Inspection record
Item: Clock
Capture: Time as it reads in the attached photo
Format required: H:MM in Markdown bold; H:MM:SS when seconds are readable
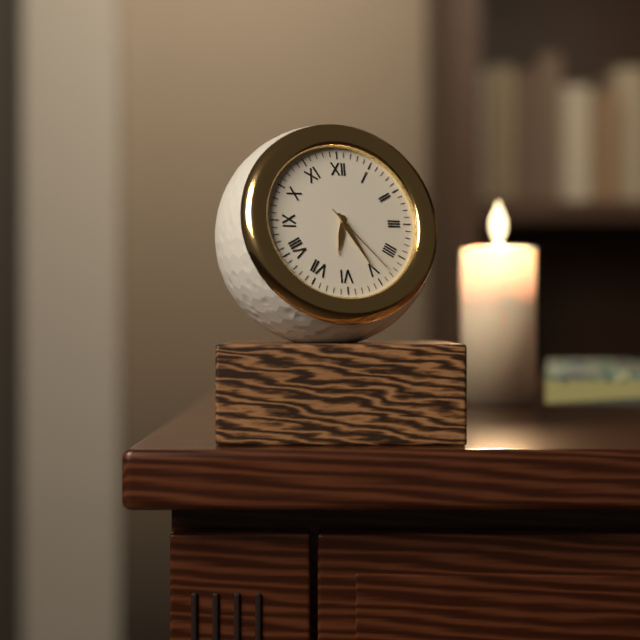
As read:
**6:25:23**
